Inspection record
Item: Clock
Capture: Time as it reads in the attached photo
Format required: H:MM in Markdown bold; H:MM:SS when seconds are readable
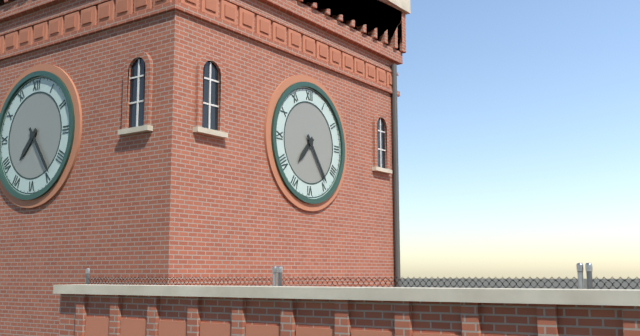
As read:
**7:24**
